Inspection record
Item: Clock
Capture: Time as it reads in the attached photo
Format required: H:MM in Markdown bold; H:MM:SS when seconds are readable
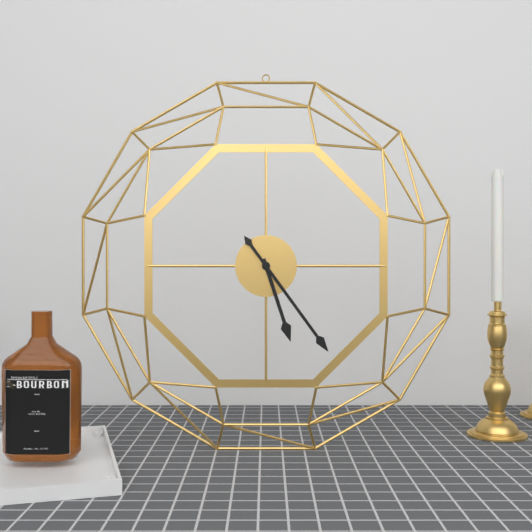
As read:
**5:24**
